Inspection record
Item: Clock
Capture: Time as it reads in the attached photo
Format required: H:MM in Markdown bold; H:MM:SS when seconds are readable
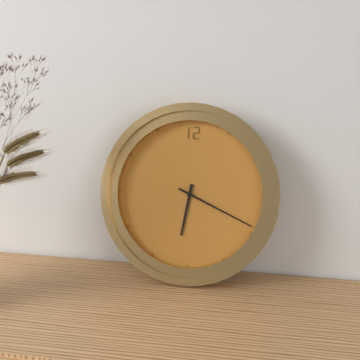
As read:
**6:19**
